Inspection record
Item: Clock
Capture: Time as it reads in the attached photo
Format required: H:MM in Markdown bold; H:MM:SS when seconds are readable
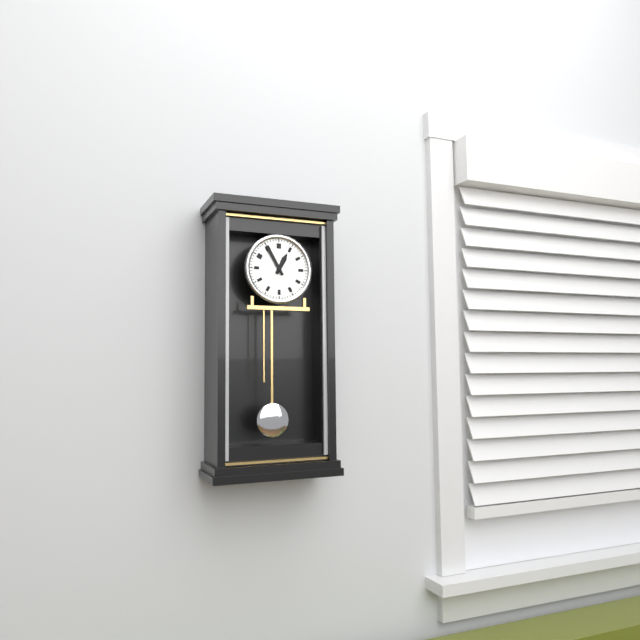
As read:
**12:55**
